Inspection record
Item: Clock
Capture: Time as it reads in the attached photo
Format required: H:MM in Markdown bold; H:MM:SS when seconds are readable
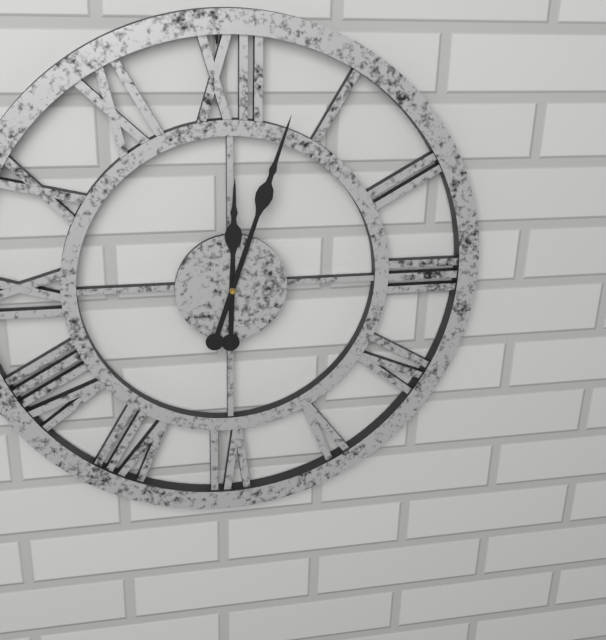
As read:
**12:03**
